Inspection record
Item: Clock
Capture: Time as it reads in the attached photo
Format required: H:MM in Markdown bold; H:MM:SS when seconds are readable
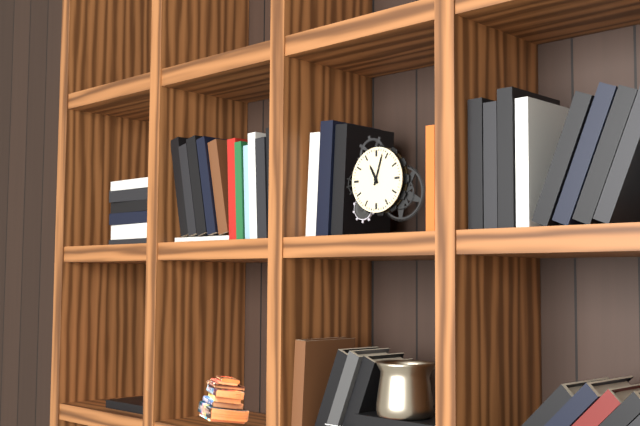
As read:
**11:03**
